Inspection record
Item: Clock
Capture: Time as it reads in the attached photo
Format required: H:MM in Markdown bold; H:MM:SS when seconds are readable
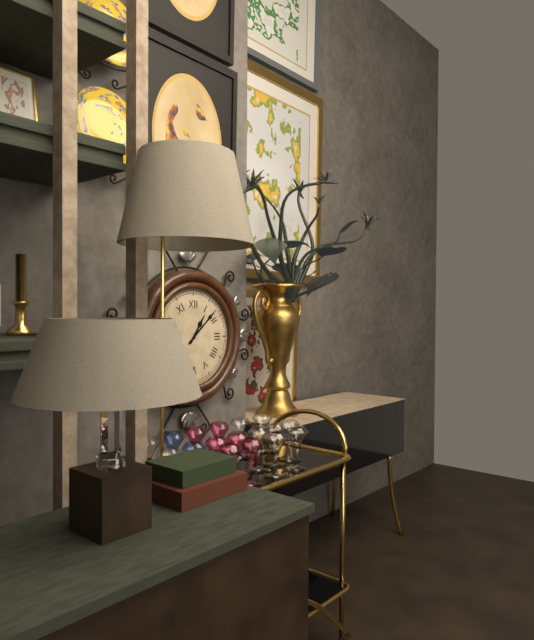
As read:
**1:08**
